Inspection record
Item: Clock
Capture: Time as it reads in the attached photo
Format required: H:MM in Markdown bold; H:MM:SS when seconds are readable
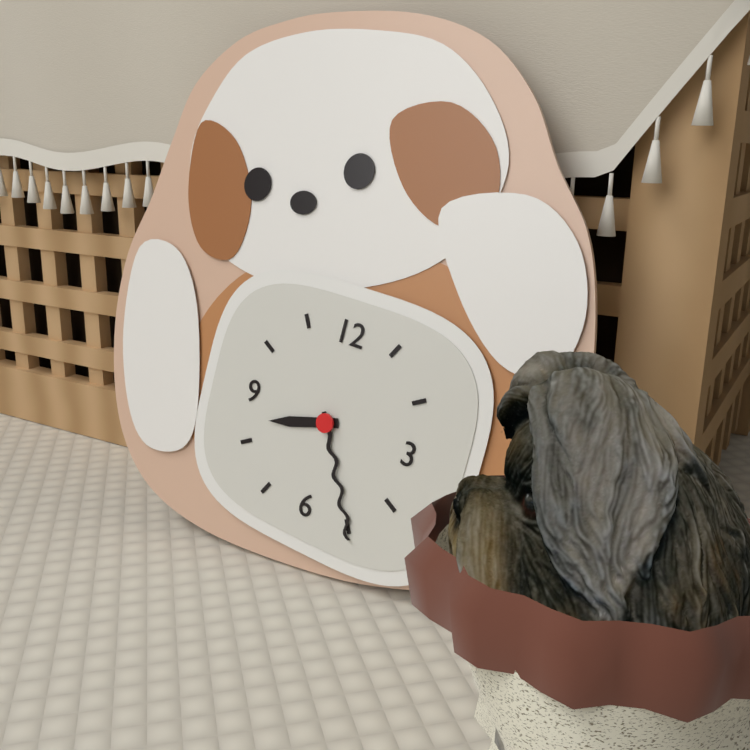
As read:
**8:25**
